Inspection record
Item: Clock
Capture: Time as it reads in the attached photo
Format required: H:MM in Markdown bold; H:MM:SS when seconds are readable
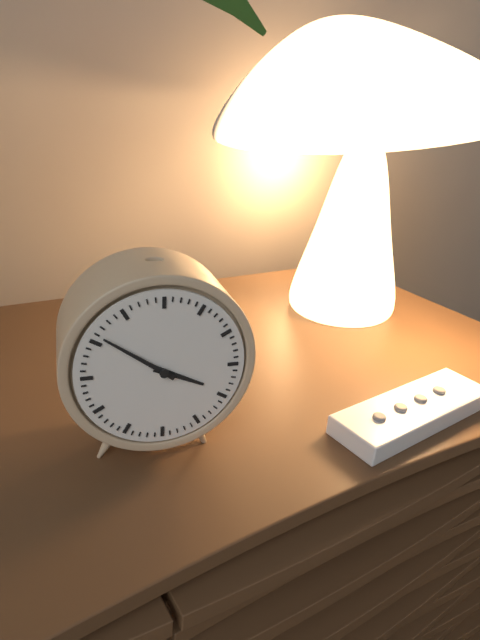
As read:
**3:51**
